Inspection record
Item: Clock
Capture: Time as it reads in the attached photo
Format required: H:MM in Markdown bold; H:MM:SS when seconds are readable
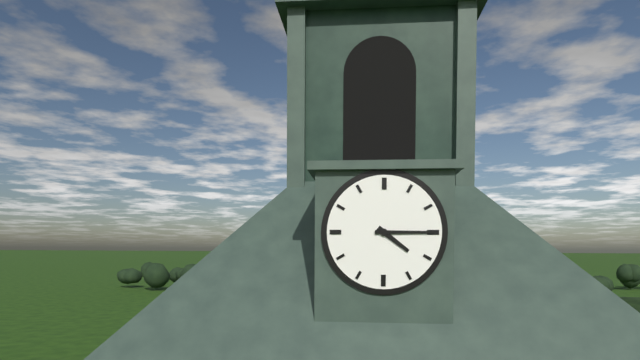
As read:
**4:15**
